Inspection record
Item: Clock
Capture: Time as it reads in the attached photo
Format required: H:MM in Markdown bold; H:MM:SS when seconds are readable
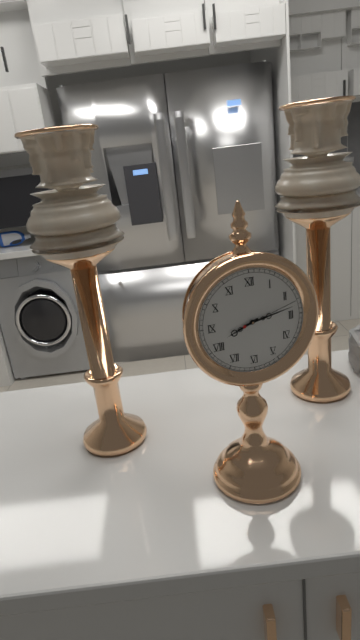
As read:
**8:13:12**
